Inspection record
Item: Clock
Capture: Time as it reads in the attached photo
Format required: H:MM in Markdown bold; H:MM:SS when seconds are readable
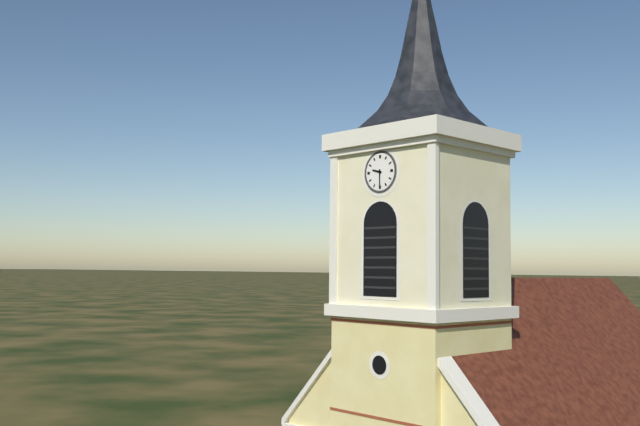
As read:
**9:30**
